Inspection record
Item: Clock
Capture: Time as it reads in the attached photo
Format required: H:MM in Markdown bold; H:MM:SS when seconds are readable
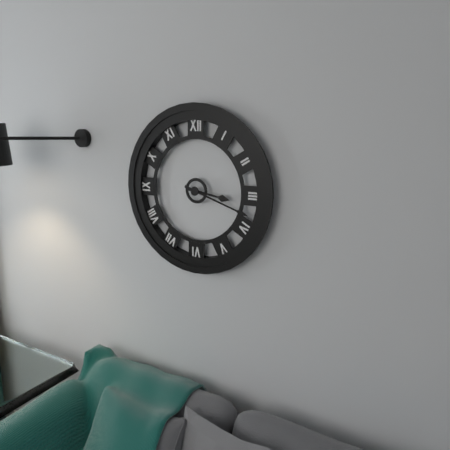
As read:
**3:18**
